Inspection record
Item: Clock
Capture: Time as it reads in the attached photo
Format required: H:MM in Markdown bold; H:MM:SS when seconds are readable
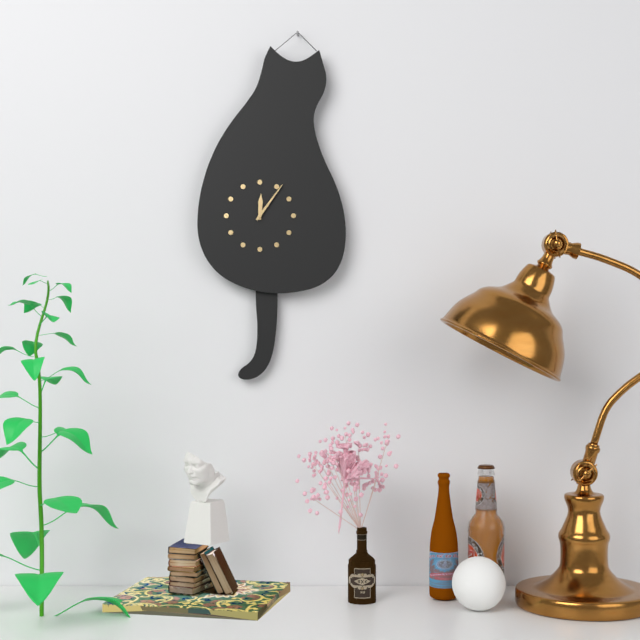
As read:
**12:06**
